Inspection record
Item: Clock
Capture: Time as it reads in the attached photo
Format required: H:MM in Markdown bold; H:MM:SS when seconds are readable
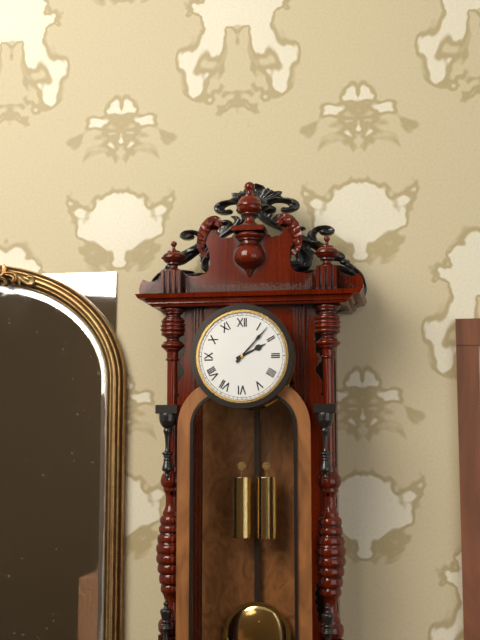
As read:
**2:07**
